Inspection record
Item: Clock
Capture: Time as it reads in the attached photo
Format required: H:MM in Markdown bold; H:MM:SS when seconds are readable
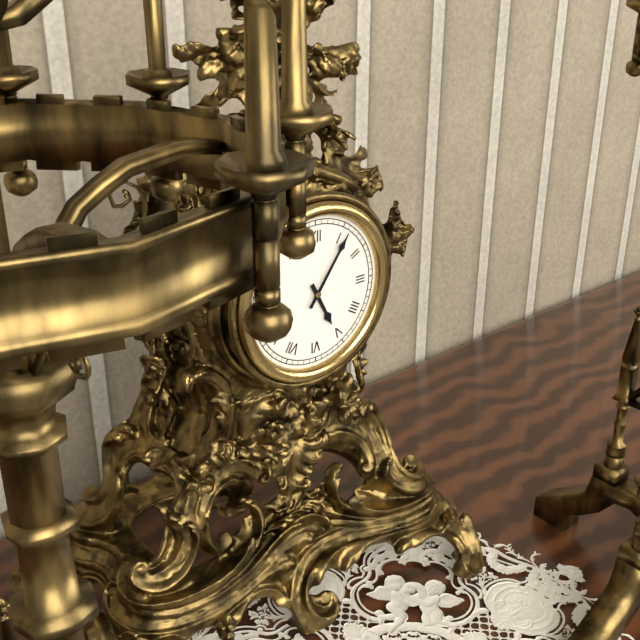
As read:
**5:06**
